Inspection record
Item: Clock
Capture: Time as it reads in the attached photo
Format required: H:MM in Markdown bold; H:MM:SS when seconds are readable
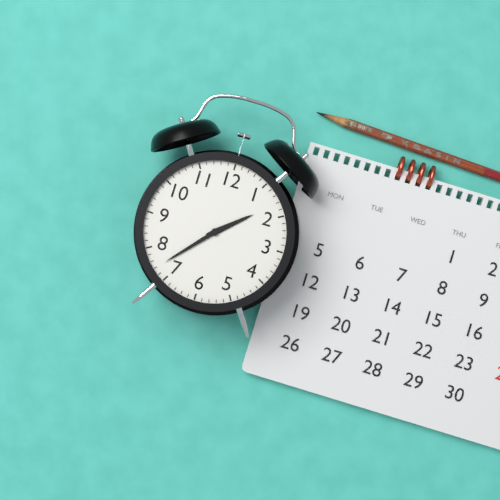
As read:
**1:37**
